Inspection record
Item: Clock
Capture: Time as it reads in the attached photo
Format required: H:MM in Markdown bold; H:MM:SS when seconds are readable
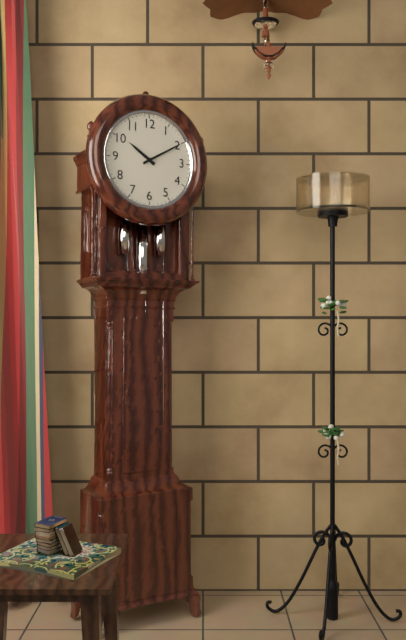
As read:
**10:10**
